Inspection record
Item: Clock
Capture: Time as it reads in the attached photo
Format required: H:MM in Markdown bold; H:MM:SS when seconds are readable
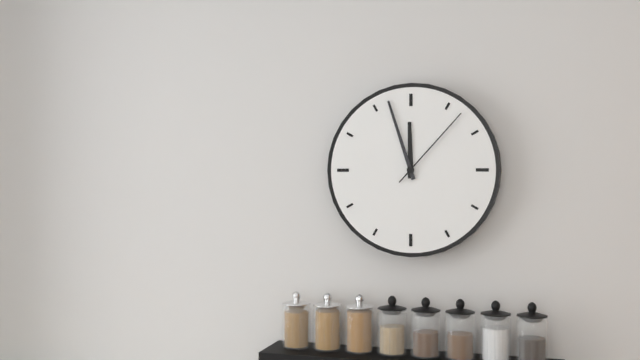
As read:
**11:57:07**
